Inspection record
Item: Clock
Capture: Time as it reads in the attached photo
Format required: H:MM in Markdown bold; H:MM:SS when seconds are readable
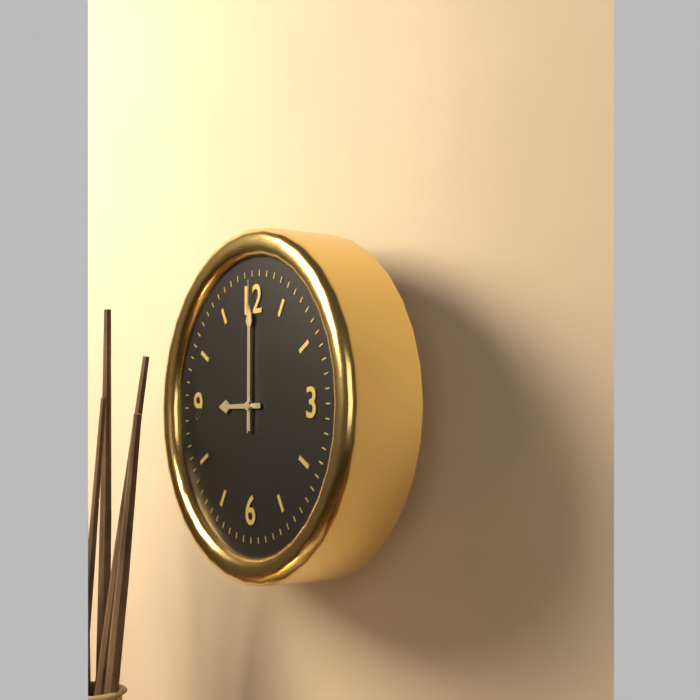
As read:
**9:00:00**
